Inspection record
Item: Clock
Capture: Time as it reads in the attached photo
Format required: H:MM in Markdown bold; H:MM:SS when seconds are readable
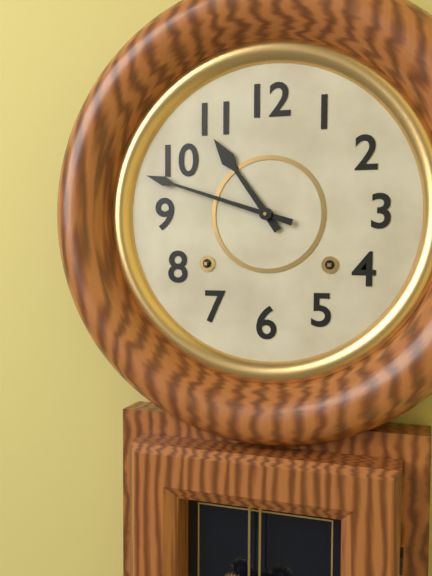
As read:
**10:48**
